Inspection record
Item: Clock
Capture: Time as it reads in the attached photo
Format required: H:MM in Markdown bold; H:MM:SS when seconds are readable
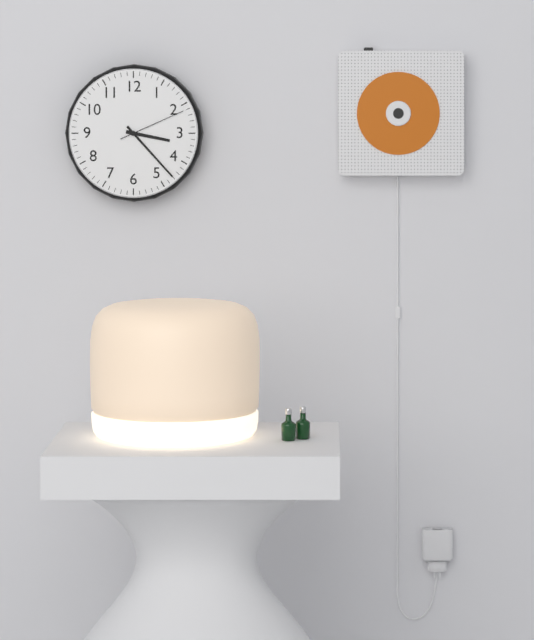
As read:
**3:23:11**
